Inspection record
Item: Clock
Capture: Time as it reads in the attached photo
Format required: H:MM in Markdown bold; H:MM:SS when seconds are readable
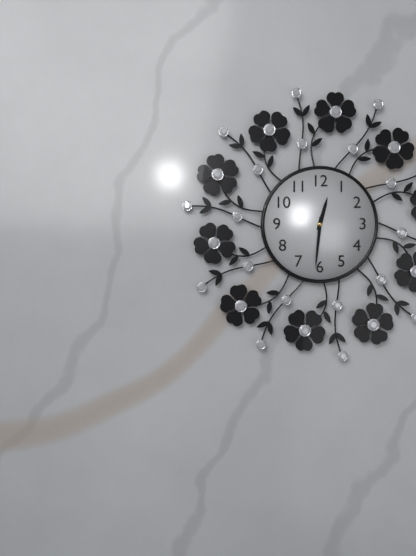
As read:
**12:31**
